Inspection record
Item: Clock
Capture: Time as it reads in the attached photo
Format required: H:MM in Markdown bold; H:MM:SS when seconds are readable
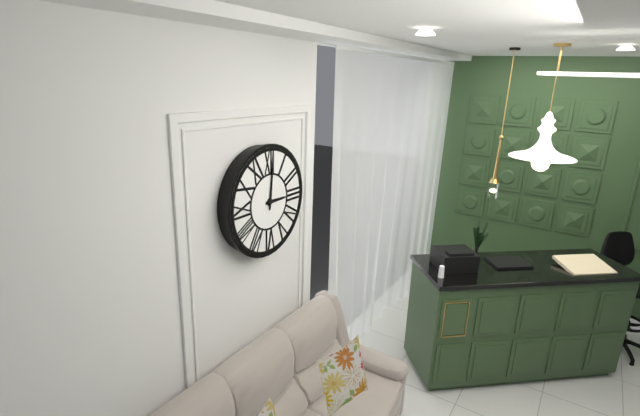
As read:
**3:01**
